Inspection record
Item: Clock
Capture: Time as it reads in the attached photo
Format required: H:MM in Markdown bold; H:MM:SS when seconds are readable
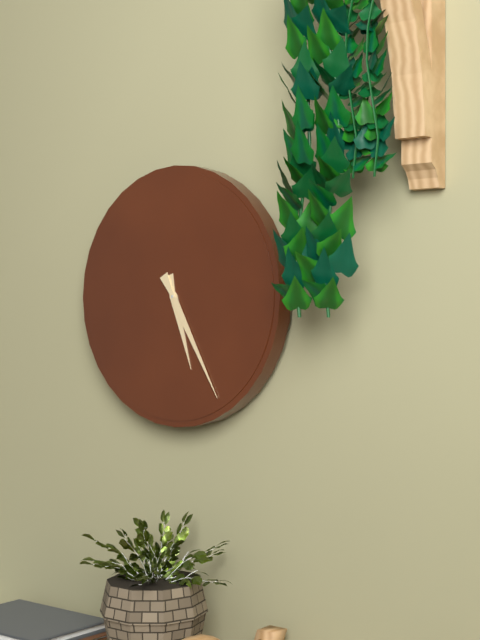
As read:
**5:25**
